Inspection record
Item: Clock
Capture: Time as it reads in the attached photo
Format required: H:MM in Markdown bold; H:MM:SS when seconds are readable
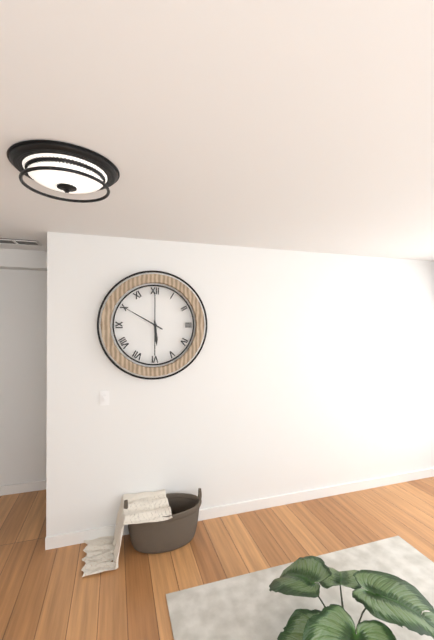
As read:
**5:50**
